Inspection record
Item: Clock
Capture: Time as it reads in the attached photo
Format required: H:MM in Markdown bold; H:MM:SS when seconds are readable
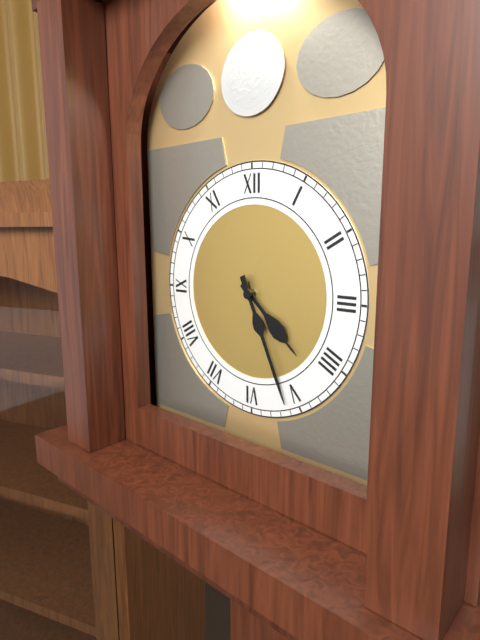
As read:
**4:26**
